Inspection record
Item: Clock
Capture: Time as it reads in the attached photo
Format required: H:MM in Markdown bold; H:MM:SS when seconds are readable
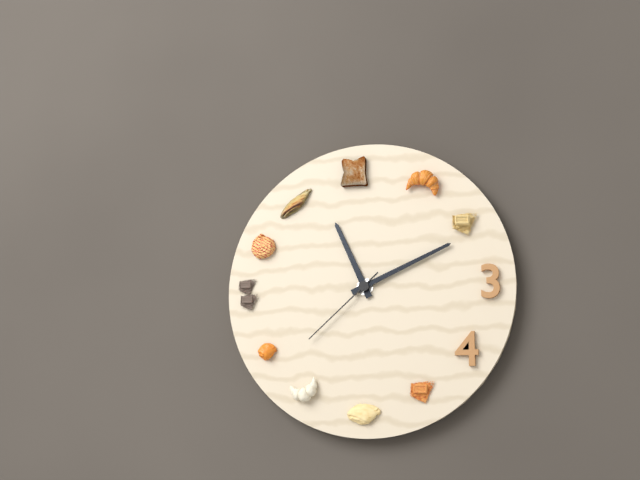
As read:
**11:11:38**
